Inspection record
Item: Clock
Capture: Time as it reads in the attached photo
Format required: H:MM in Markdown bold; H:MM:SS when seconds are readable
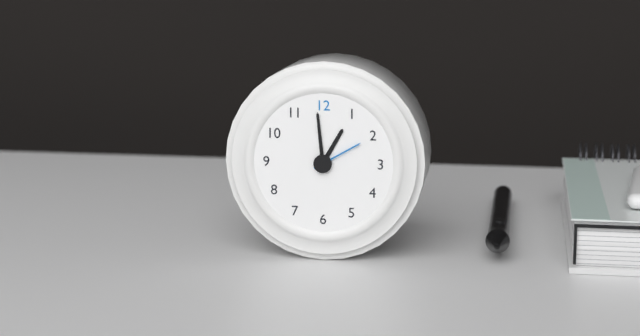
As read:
**12:59:10**
